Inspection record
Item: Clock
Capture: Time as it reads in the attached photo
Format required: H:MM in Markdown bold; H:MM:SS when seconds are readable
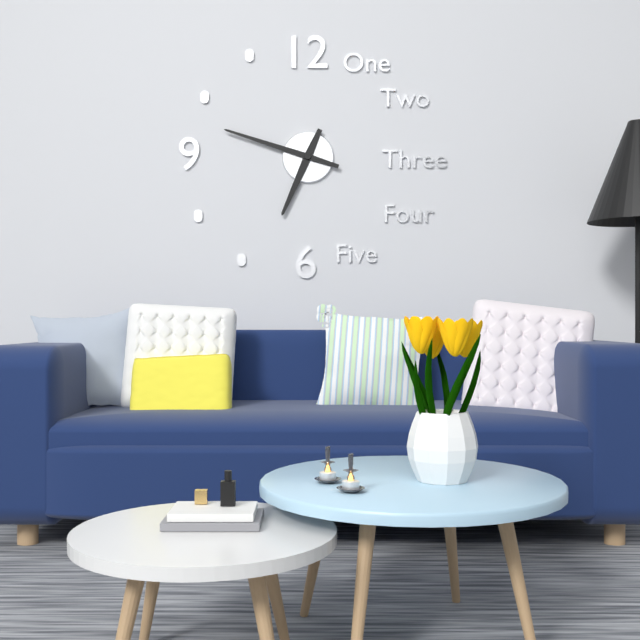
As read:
**6:48**
